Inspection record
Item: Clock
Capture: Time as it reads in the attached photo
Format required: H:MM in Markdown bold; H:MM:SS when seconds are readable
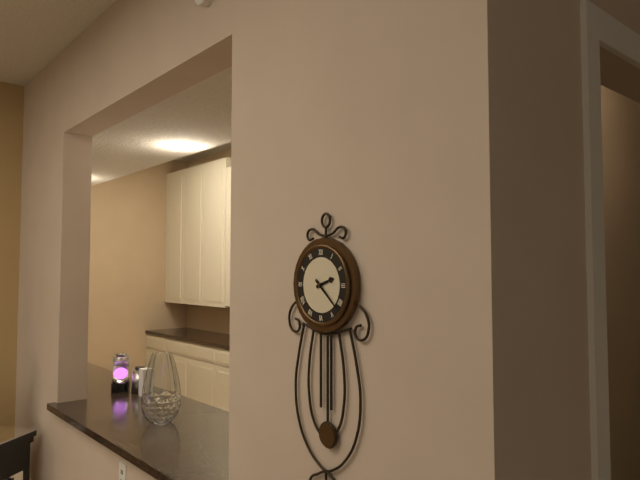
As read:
**2:22**
